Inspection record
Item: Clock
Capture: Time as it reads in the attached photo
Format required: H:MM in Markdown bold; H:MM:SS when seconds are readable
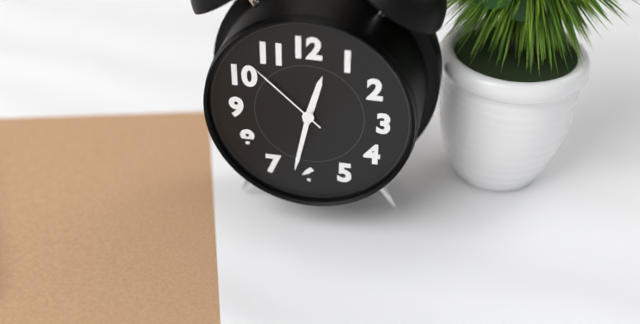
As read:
**12:32:52**
